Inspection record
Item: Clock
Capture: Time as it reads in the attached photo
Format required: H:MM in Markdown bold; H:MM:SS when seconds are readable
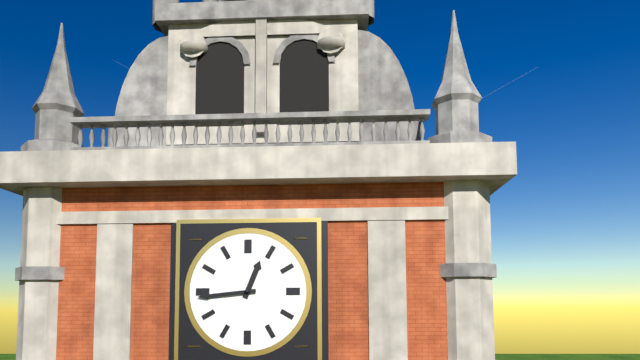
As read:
**12:44**
